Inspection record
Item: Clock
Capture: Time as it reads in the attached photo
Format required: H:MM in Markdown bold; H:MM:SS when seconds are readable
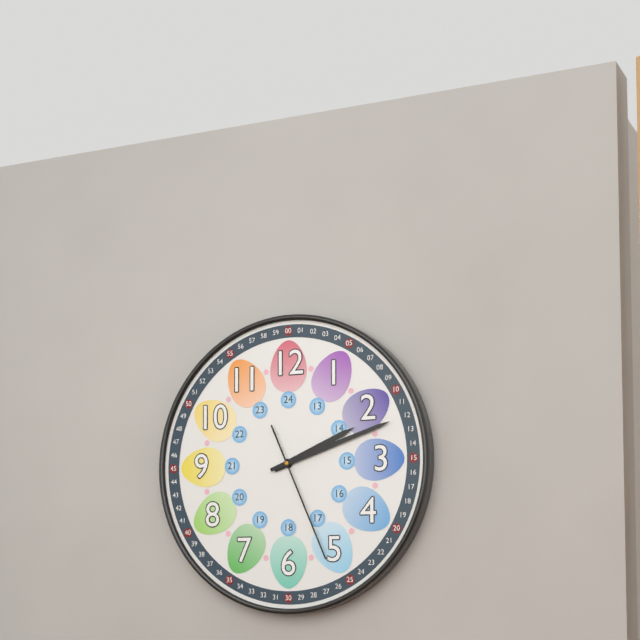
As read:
**2:12:26**
